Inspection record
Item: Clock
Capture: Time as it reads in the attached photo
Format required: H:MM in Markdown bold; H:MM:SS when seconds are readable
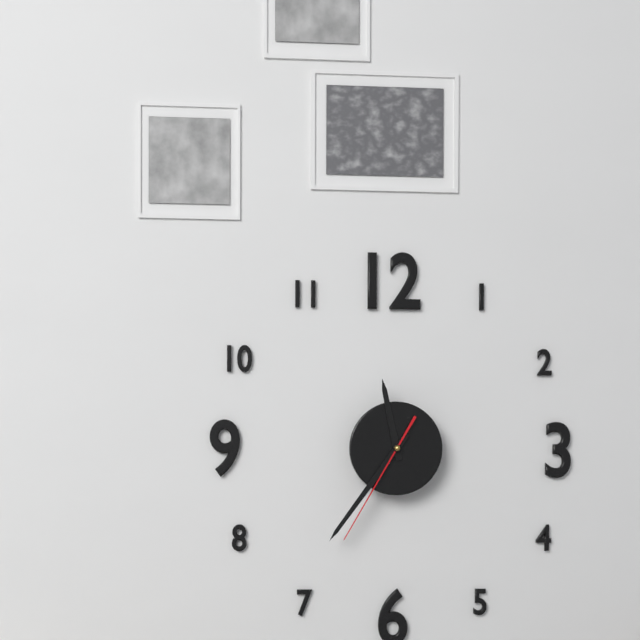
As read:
**11:36:35**
